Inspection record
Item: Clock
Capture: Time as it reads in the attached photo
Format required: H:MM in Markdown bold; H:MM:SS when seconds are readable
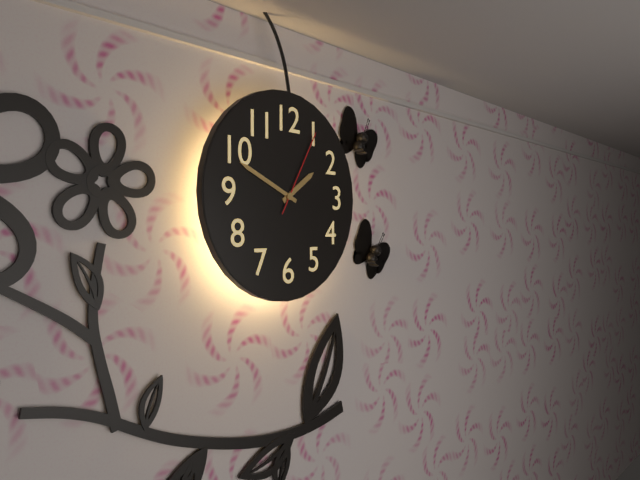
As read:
**1:49:05**
